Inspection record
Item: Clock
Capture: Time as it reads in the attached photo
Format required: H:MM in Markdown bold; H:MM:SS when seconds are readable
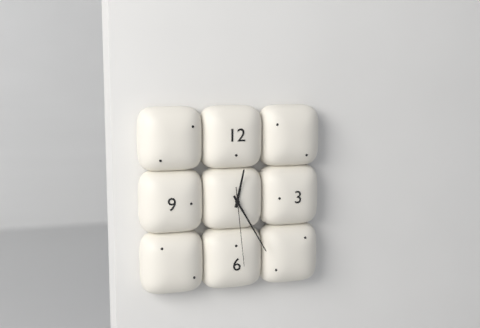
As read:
**12:25:29**
